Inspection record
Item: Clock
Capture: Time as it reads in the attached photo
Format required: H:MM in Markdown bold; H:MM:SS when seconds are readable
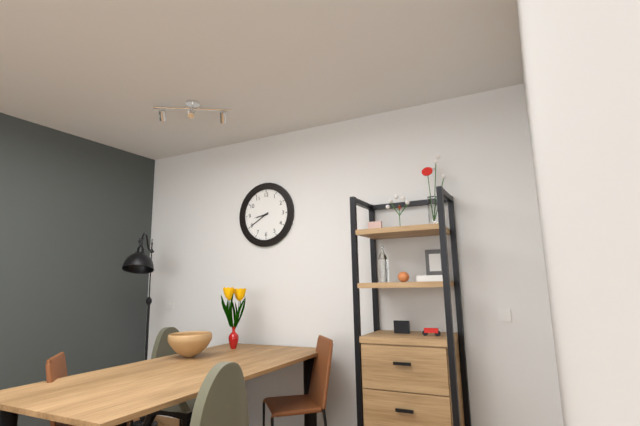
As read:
**8:40**
